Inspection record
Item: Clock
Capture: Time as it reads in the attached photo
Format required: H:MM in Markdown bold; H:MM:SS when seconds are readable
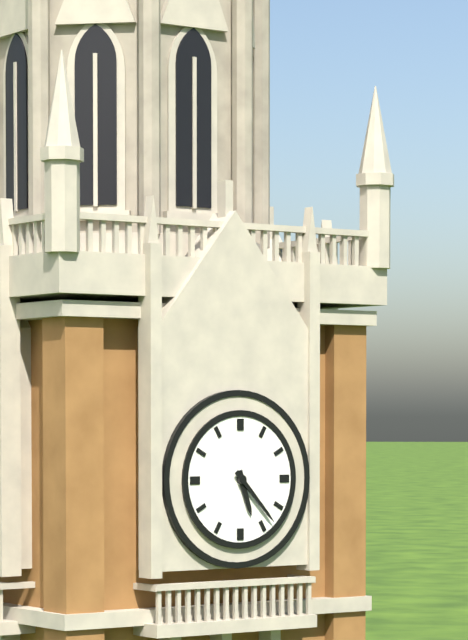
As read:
**5:23**
